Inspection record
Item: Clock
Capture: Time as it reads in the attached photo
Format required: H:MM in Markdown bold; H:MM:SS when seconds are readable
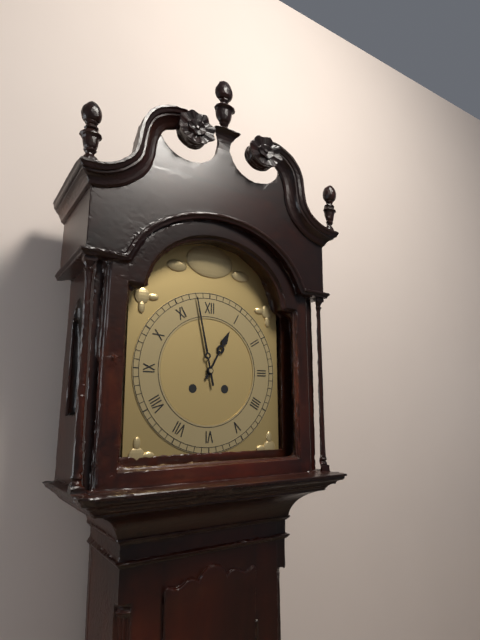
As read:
**12:58**
